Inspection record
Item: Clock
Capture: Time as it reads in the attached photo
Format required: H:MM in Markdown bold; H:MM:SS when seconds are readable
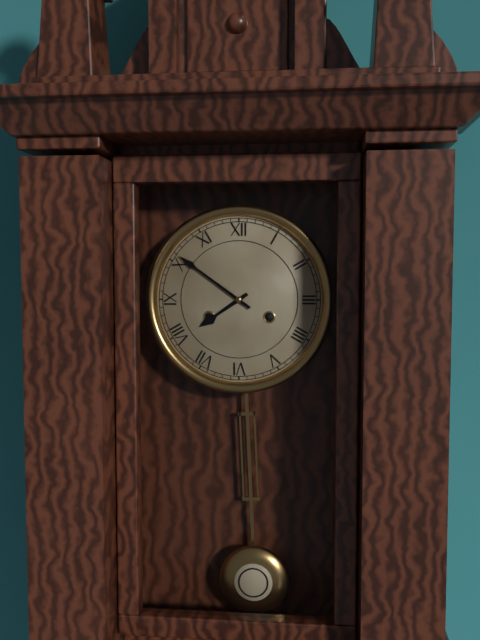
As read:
**7:51**
